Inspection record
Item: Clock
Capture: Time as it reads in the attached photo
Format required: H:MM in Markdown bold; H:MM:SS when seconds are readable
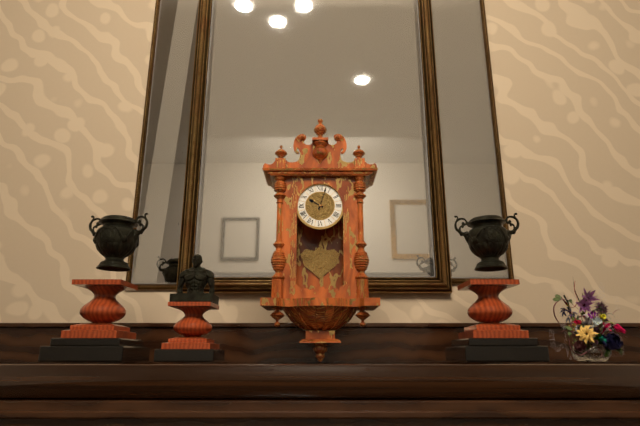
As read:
**10:03**
